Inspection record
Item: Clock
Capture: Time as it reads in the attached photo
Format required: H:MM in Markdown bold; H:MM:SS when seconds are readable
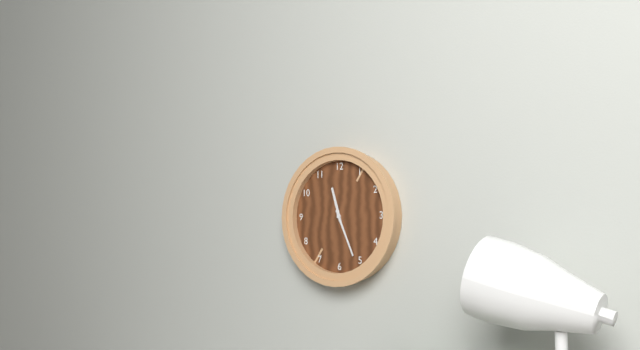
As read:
**11:26**
